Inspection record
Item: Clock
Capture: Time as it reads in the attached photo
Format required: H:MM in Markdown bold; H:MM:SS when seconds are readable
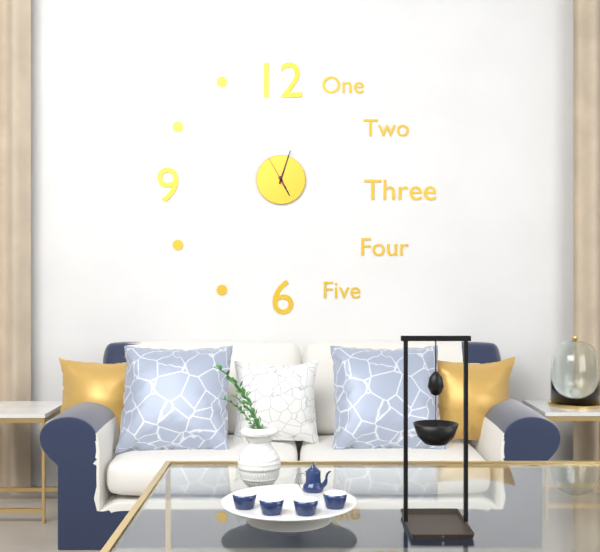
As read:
**5:03**
